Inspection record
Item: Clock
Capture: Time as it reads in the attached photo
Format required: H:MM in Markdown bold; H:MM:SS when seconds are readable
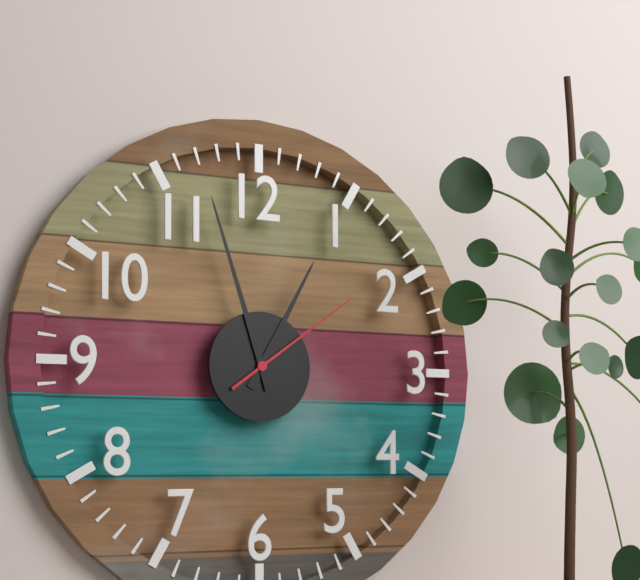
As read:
**12:57:09**
